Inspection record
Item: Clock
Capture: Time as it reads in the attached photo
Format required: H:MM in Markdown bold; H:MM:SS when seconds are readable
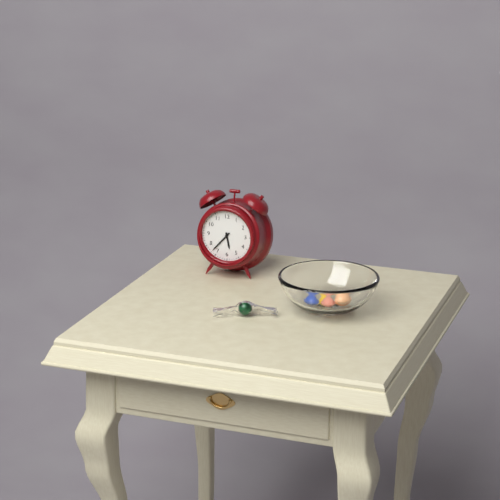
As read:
**5:37**
